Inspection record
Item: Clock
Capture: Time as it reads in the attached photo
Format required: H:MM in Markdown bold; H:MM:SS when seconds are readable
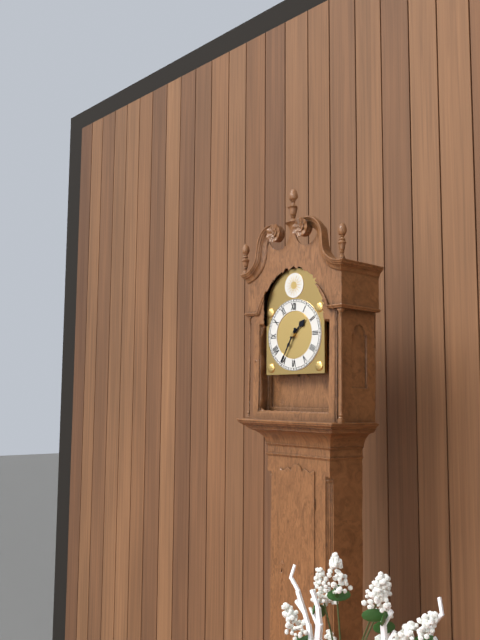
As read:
**1:35**
